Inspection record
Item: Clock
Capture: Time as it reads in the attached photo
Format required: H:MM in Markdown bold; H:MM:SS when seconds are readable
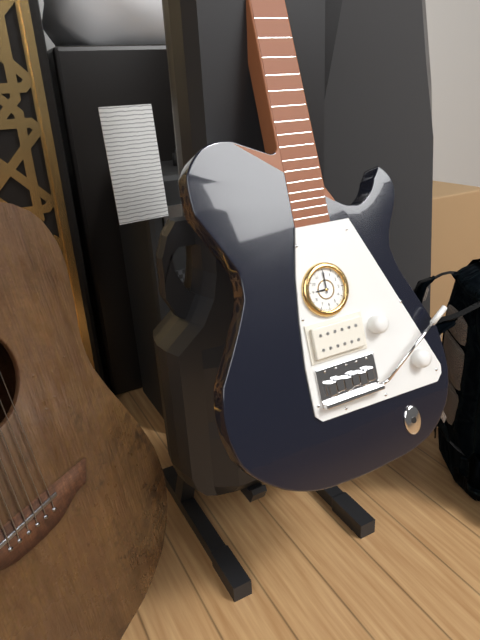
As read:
**9:00**
